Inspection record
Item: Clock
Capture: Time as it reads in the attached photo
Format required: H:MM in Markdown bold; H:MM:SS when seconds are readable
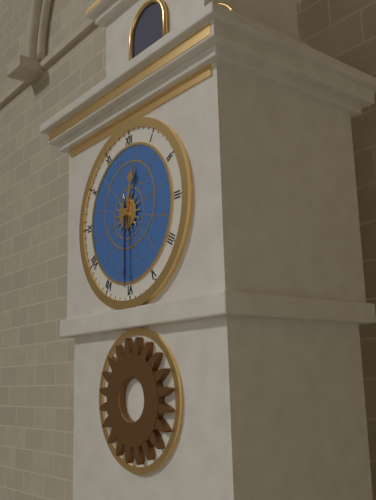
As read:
**12:30**
